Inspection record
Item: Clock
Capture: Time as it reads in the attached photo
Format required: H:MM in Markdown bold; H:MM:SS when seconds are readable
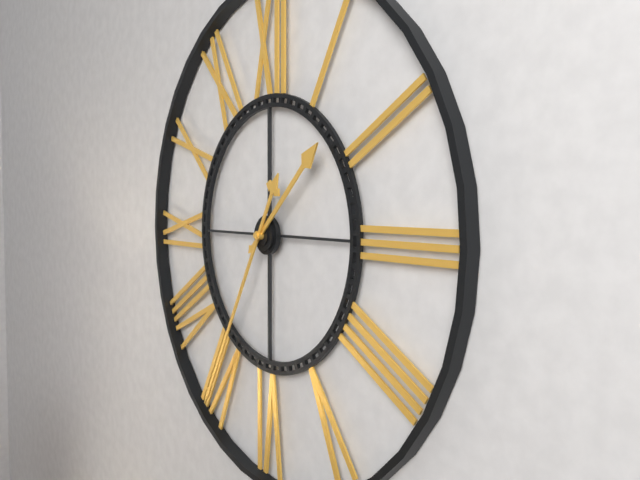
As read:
**1:35**
